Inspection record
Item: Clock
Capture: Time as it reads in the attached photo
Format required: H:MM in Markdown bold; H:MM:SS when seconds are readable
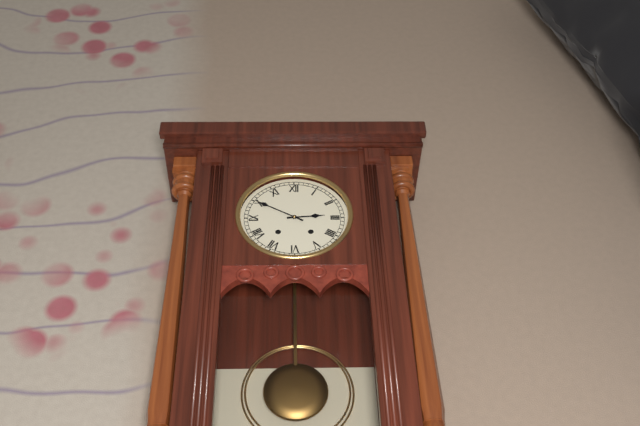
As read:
**2:50**
